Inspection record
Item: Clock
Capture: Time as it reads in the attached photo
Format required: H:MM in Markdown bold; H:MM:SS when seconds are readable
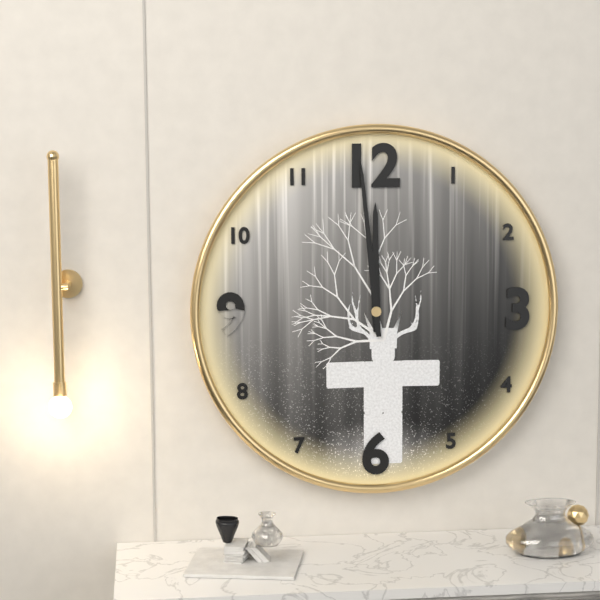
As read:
**11:59**
